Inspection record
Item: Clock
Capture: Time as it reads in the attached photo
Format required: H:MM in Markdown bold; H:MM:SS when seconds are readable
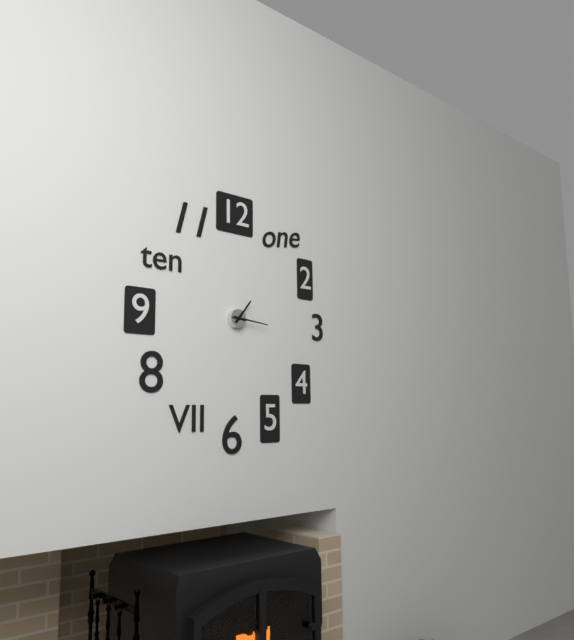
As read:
**1:16**
